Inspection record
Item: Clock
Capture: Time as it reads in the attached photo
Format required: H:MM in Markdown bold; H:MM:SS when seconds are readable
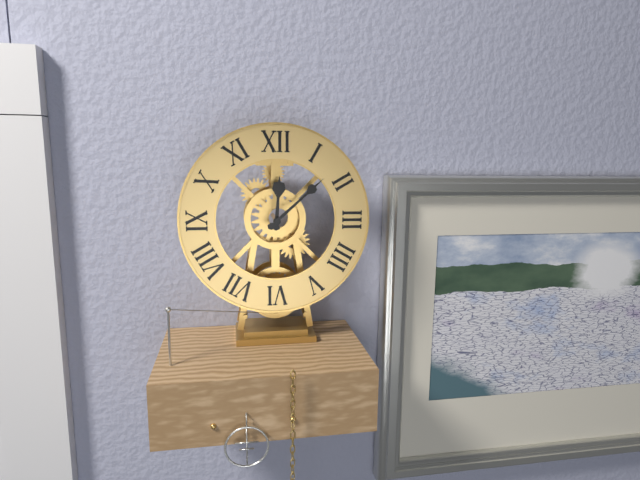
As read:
**12:08**
